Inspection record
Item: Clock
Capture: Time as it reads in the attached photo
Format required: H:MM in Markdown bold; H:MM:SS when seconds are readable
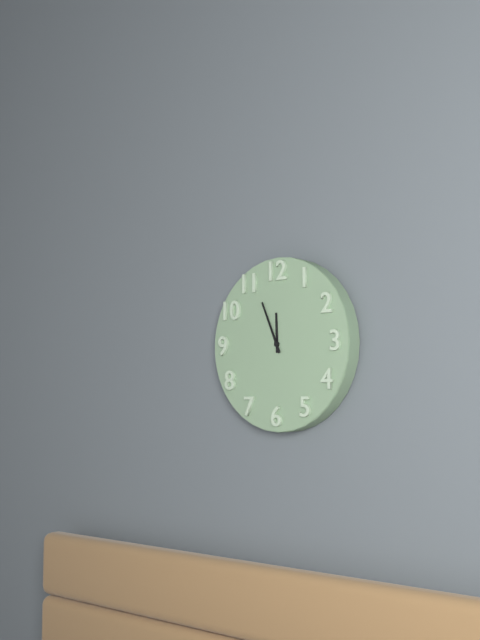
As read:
**11:56**
